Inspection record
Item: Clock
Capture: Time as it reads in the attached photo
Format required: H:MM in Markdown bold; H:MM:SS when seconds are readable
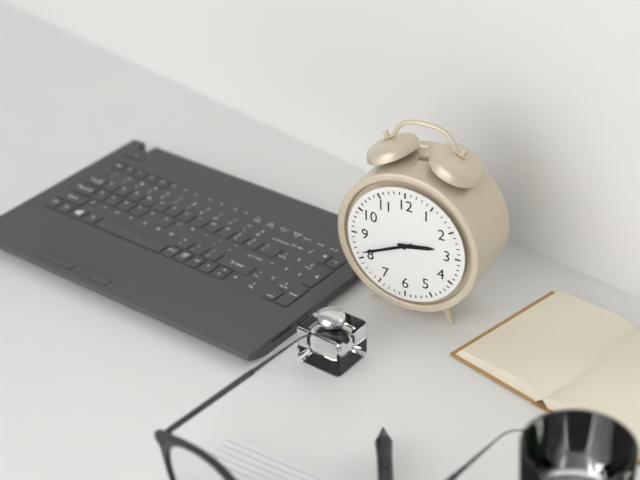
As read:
**2:41**
